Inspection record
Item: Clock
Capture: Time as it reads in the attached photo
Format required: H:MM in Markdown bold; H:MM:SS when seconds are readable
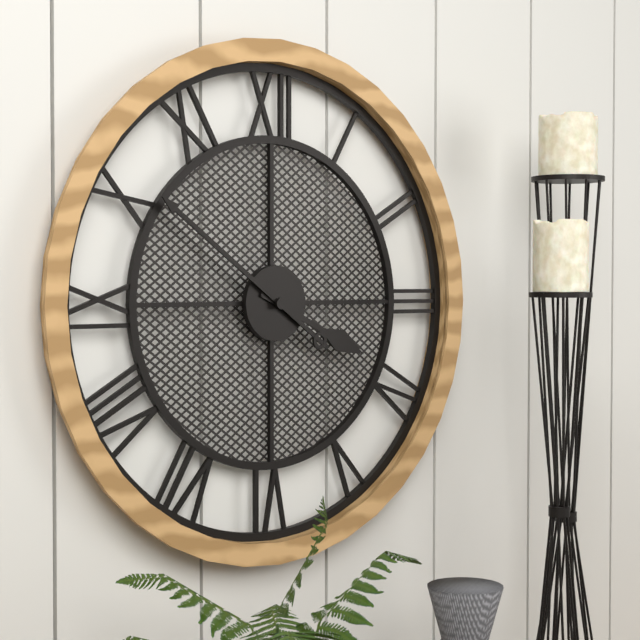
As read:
**3:51**
